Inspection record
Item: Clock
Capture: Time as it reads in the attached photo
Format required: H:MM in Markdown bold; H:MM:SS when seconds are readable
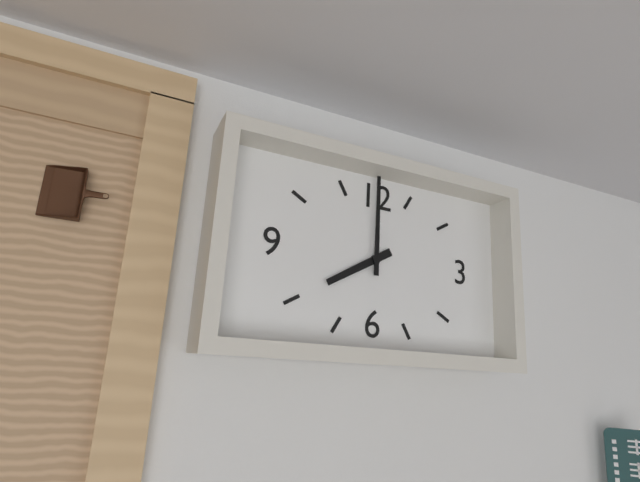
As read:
**8:00**
